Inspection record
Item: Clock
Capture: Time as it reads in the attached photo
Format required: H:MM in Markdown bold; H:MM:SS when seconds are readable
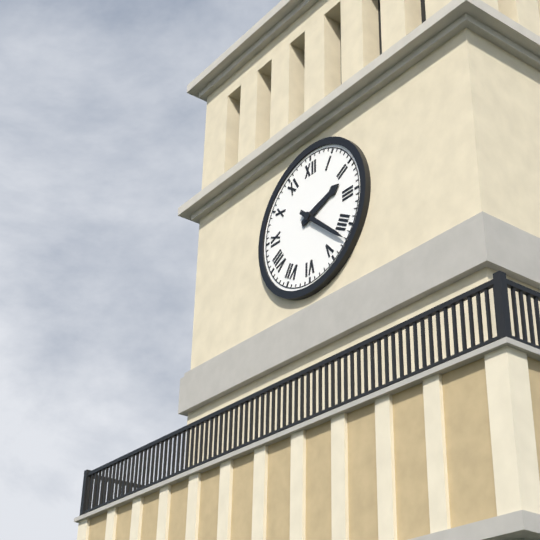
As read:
**2:22**
